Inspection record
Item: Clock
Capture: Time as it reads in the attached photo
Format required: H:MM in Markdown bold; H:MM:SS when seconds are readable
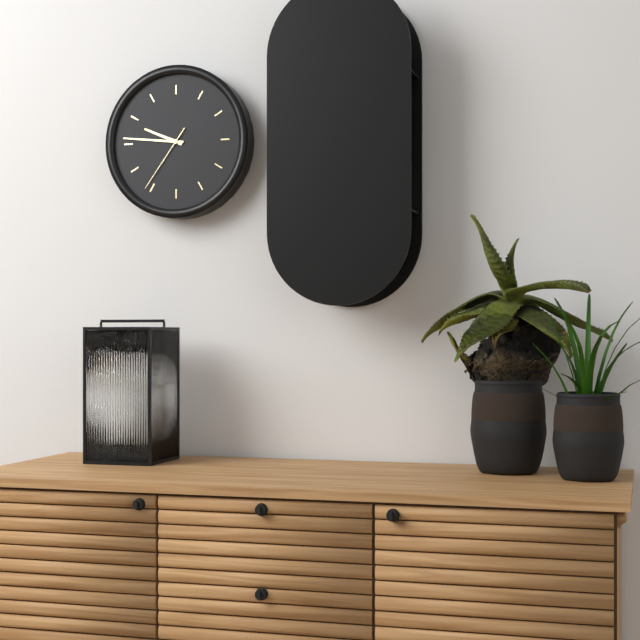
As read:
**9:46:36**
